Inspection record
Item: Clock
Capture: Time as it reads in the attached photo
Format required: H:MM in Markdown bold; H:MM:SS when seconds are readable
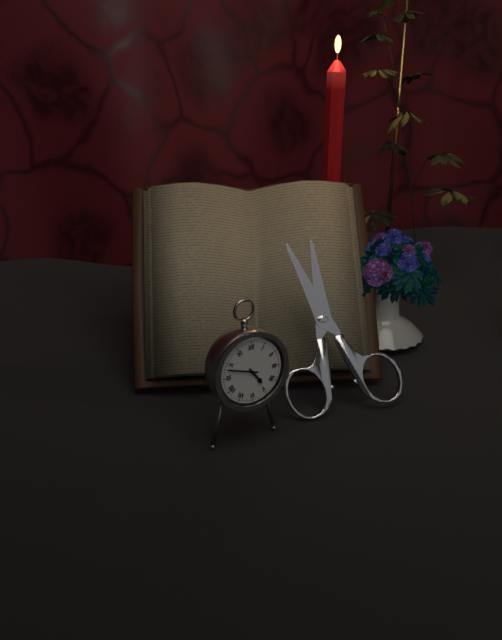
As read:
**4:48**
